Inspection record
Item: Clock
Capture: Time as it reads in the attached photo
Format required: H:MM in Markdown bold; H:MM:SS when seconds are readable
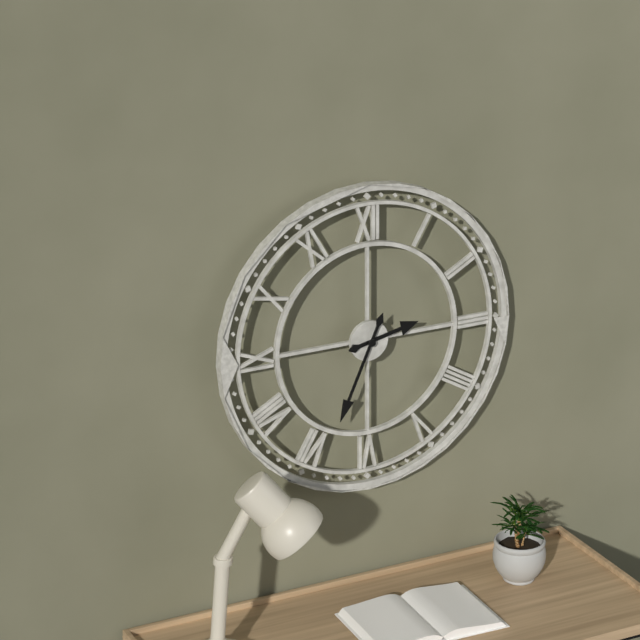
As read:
**2:34**
